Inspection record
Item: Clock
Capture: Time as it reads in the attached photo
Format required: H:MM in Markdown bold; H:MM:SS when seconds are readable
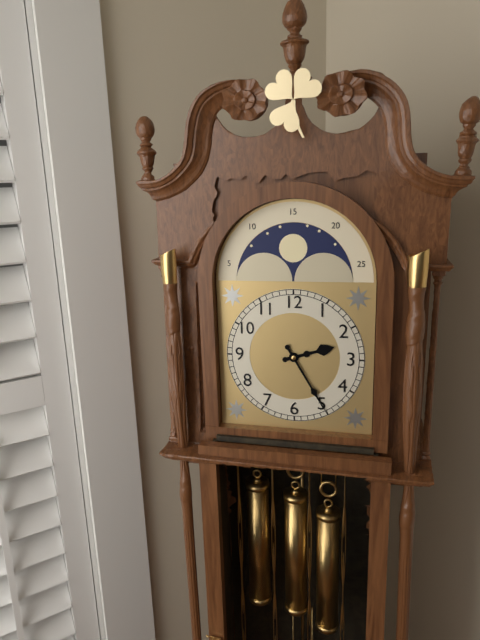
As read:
**2:25**
